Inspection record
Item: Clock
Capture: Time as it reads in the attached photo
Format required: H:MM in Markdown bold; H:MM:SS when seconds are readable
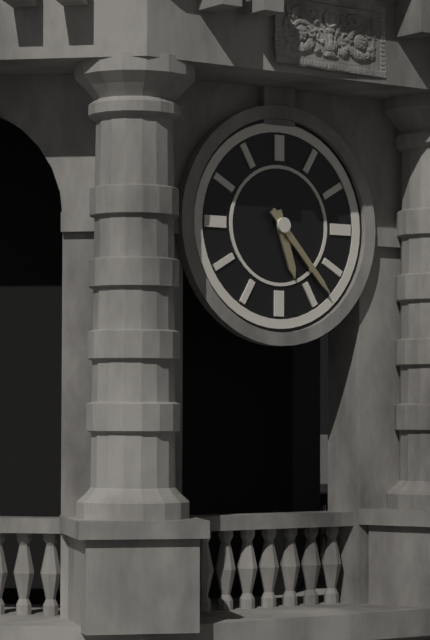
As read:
**5:23**
